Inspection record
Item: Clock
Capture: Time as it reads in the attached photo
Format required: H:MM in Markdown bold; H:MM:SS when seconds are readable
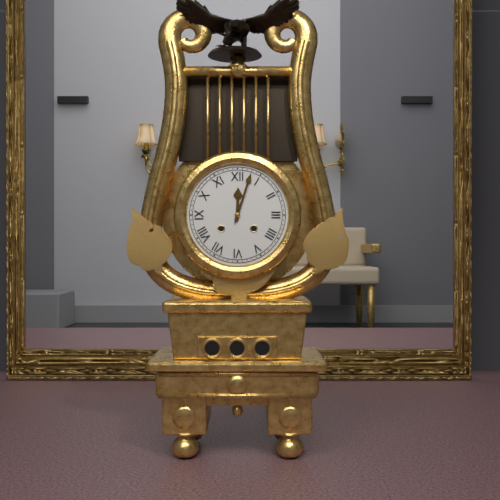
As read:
**12:03**
